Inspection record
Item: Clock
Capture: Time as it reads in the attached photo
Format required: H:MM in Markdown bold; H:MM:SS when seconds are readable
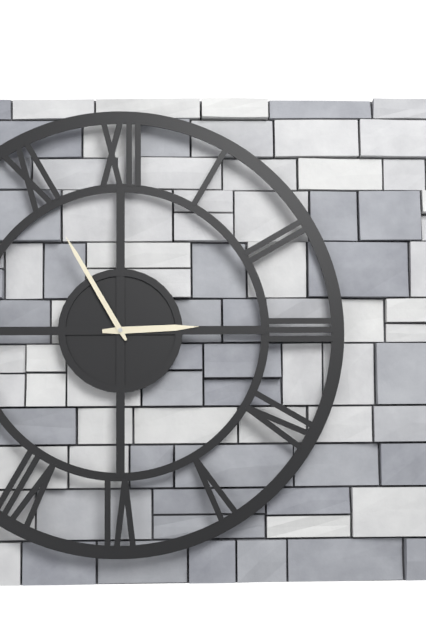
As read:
**2:55**
